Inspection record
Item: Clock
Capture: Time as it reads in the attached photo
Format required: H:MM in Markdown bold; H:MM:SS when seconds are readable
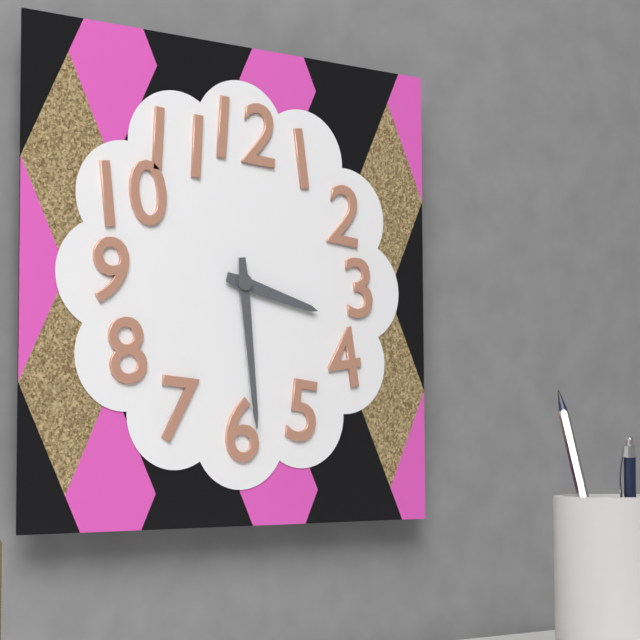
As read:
**3:29**
